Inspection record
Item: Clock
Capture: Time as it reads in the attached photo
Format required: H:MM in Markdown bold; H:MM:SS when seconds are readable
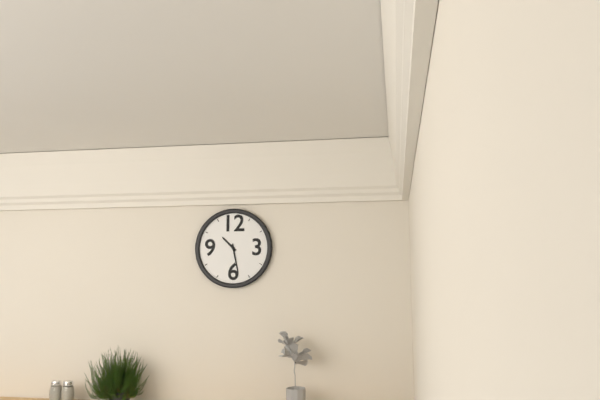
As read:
**10:28**
